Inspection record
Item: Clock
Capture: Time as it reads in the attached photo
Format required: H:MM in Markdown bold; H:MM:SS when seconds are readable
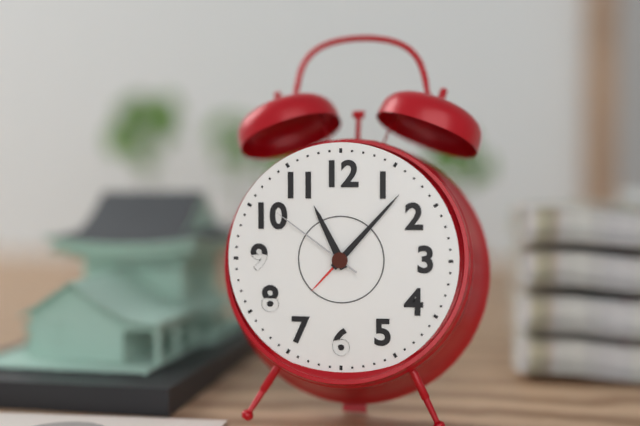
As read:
**11:07:51**
